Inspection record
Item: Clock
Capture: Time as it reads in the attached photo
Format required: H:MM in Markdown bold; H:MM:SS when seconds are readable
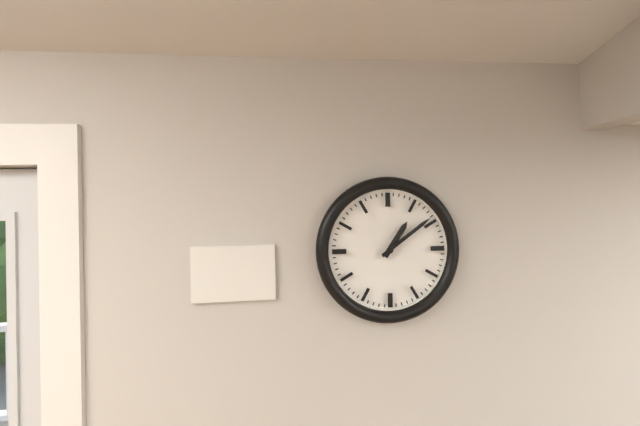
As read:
**1:09**
